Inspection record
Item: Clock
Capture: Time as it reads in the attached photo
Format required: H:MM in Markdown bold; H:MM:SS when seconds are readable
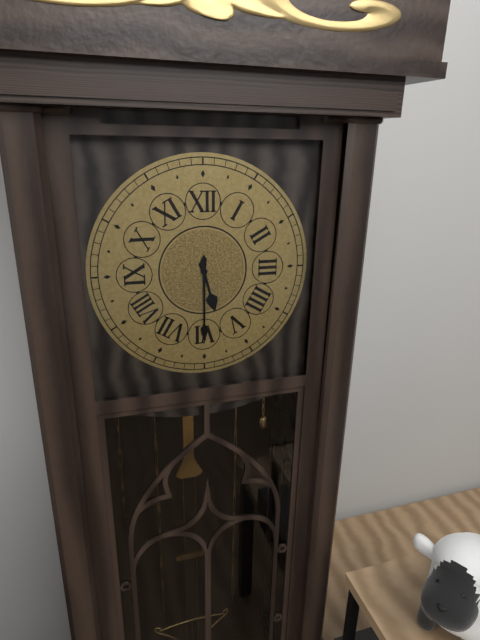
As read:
**5:30**
